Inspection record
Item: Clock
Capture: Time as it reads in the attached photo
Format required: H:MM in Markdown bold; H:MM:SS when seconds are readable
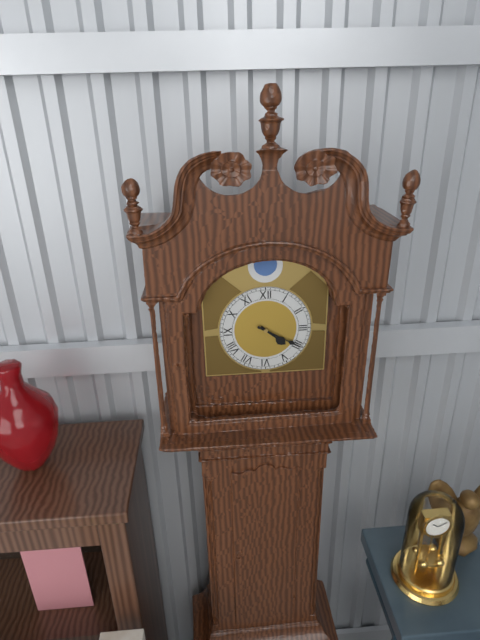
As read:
**4:20**
